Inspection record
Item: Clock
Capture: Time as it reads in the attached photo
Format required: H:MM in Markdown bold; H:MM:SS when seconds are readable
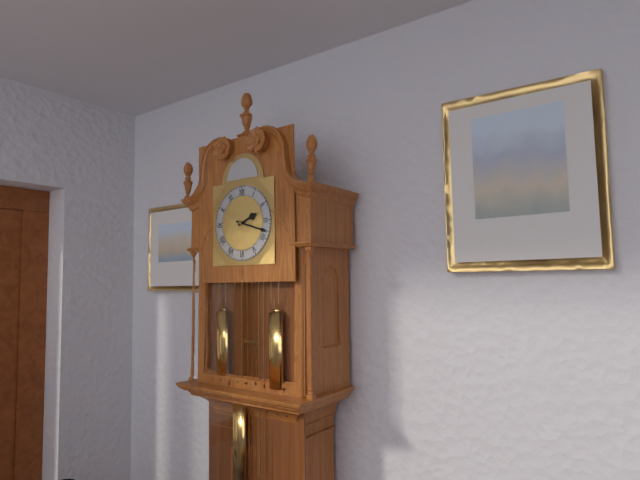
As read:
**2:18**
